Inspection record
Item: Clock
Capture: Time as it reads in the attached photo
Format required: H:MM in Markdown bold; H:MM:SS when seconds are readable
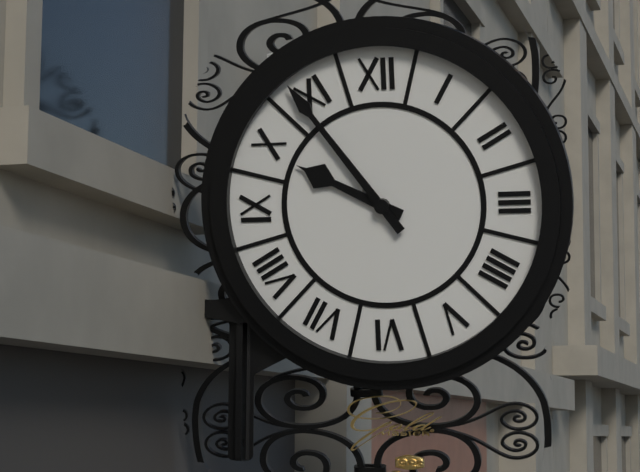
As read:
**9:54**
